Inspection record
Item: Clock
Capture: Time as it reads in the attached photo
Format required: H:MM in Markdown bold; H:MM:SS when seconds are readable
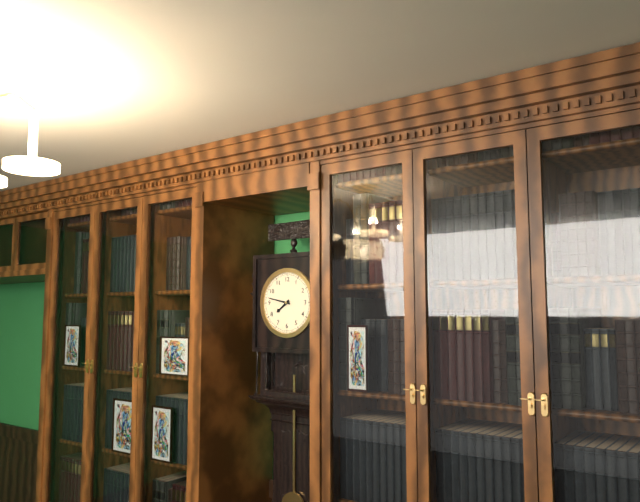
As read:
**7:47**
